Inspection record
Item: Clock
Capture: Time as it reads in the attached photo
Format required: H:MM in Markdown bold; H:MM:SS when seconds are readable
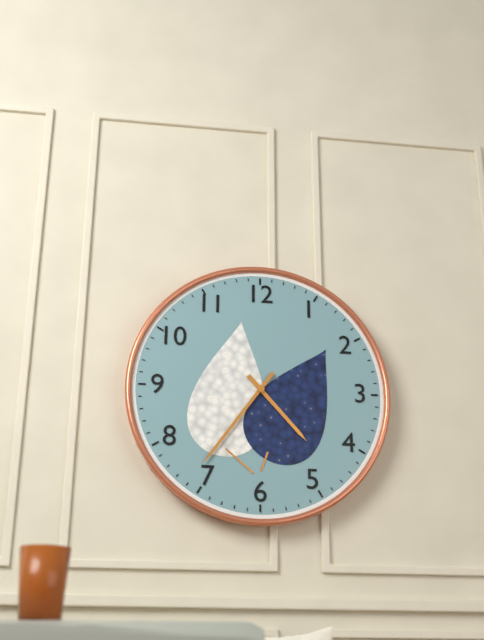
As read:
**4:36**
